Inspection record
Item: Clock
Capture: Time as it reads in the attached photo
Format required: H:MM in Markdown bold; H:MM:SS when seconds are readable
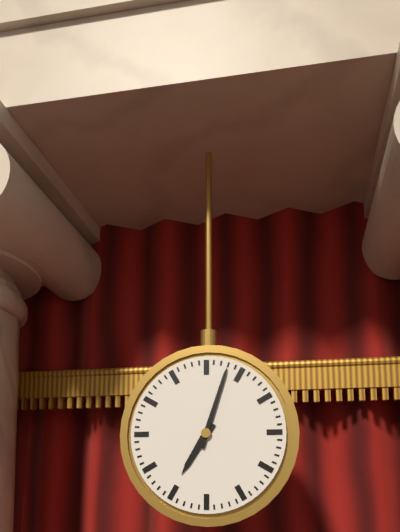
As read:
**7:03**
